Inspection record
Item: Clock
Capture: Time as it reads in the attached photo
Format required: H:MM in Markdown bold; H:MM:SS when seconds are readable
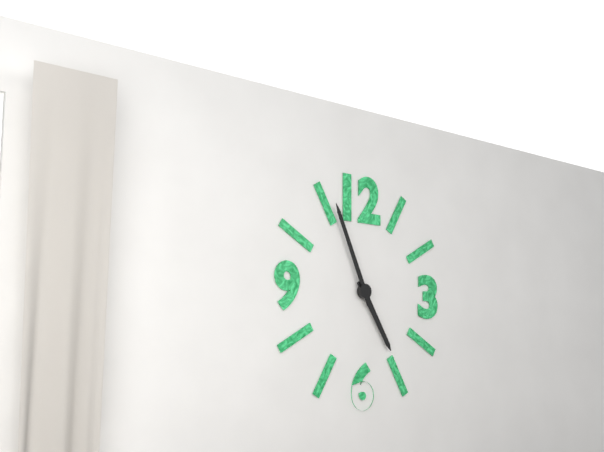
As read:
**4:56**
